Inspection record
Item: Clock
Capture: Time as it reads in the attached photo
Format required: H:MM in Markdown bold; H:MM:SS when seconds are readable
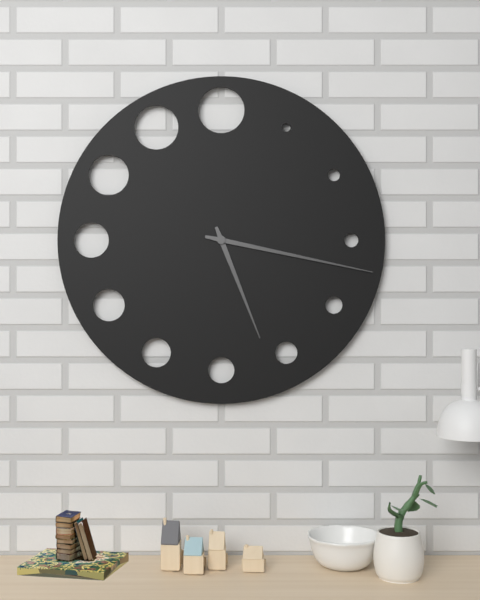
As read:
**5:17**
